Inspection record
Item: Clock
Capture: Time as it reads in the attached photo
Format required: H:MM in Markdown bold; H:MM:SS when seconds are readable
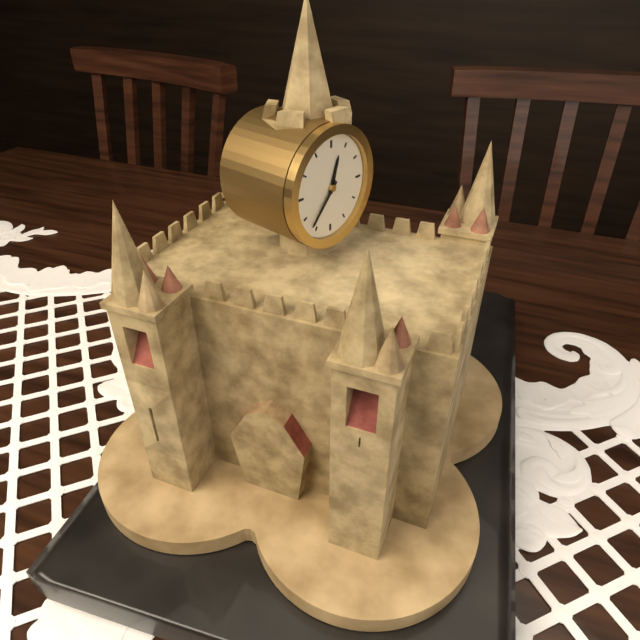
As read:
**12:37**
